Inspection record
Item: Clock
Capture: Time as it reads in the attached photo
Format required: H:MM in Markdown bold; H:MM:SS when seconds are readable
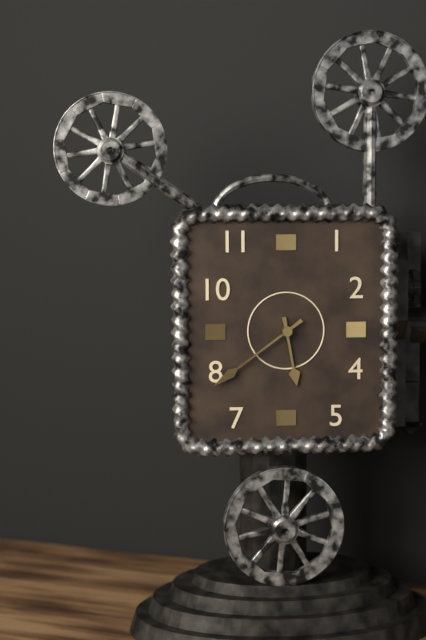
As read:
**5:39**
